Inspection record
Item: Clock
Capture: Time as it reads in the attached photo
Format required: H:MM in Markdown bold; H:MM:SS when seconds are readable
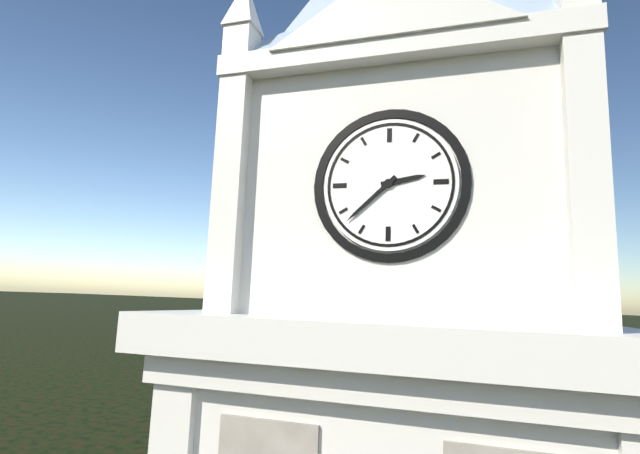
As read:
**2:38**
